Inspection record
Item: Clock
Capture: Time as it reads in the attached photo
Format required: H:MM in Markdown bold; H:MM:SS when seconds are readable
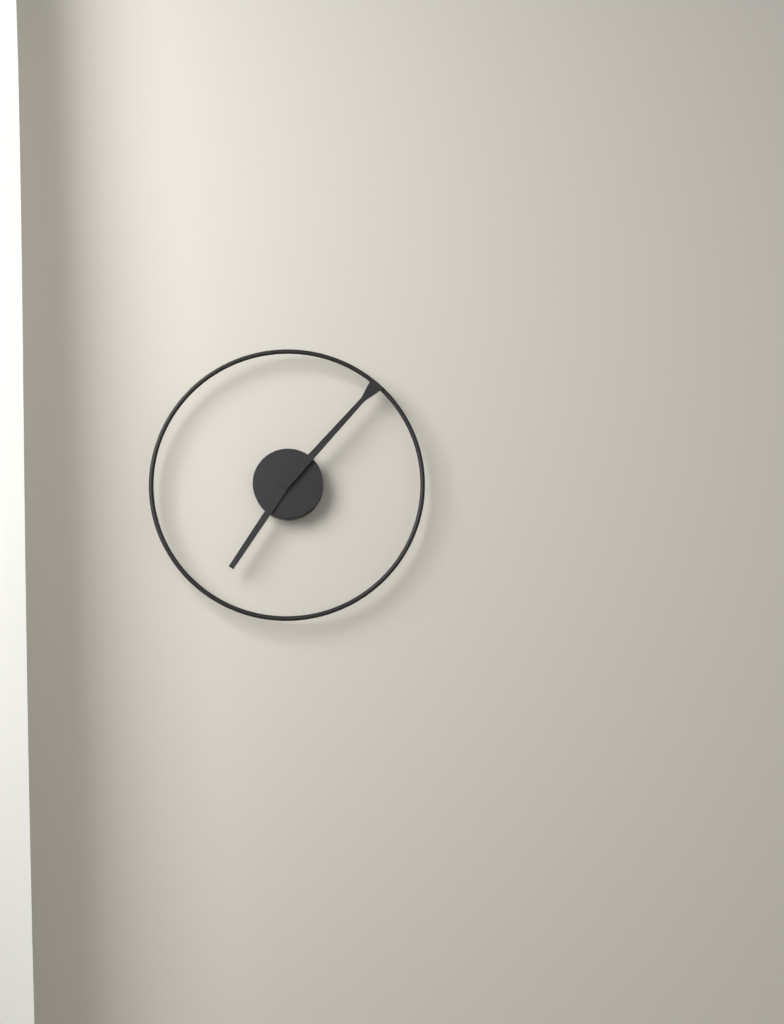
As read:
**7:07**
